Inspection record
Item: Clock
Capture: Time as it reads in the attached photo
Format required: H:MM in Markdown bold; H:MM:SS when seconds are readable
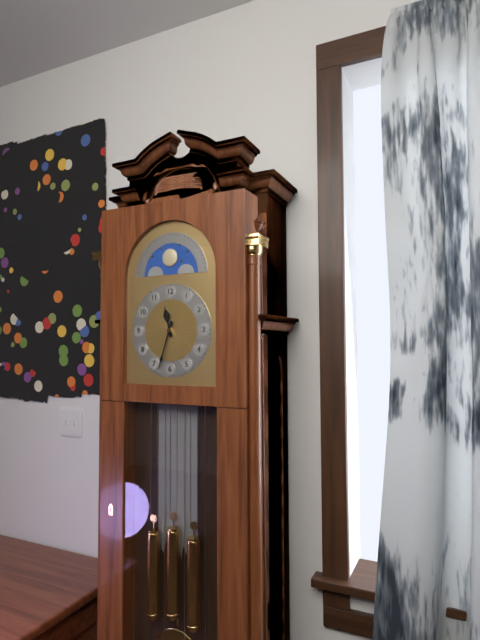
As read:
**11:33**
